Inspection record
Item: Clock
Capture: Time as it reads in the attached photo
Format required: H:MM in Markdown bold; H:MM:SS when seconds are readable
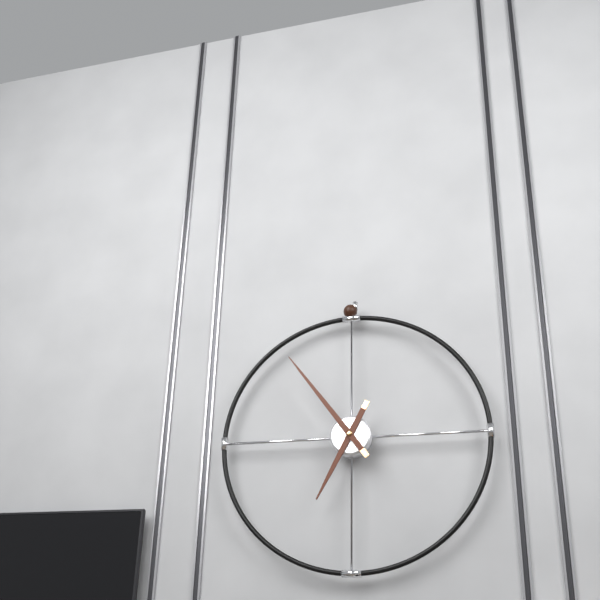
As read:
**6:54**
